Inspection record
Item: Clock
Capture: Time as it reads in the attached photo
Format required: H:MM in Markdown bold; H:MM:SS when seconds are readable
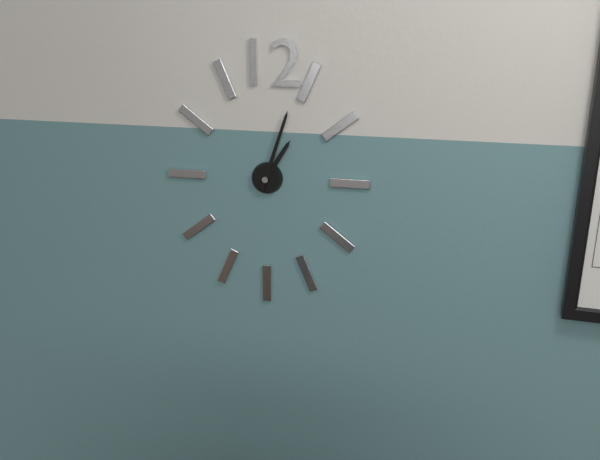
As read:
**1:03**
